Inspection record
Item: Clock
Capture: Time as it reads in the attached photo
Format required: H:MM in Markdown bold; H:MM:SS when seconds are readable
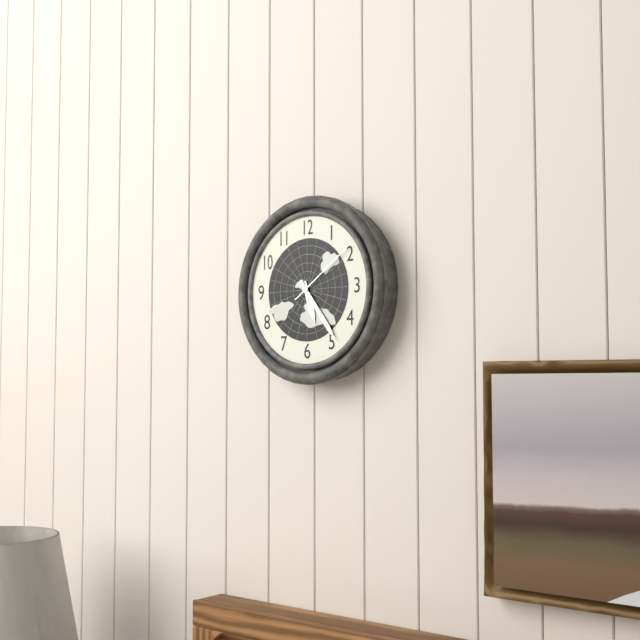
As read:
**5:24:09**
